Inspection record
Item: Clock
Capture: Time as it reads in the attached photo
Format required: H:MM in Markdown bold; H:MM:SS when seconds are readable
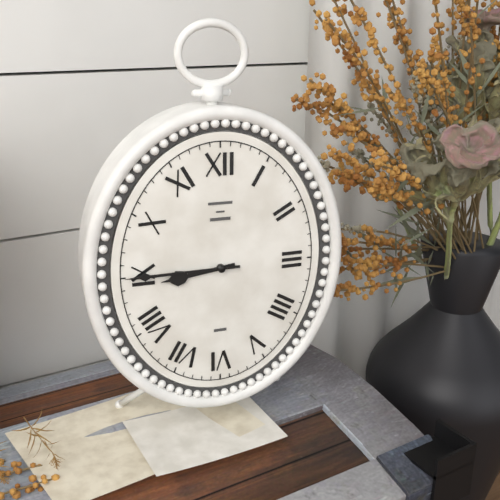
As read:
**8:45**
